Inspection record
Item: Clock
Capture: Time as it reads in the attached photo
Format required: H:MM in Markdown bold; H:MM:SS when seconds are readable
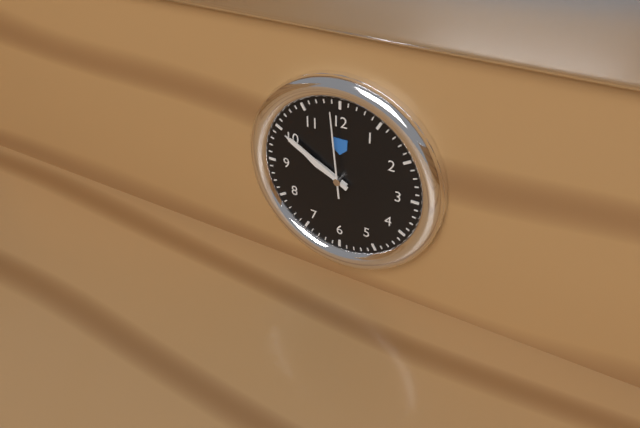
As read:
**9:50:59**
